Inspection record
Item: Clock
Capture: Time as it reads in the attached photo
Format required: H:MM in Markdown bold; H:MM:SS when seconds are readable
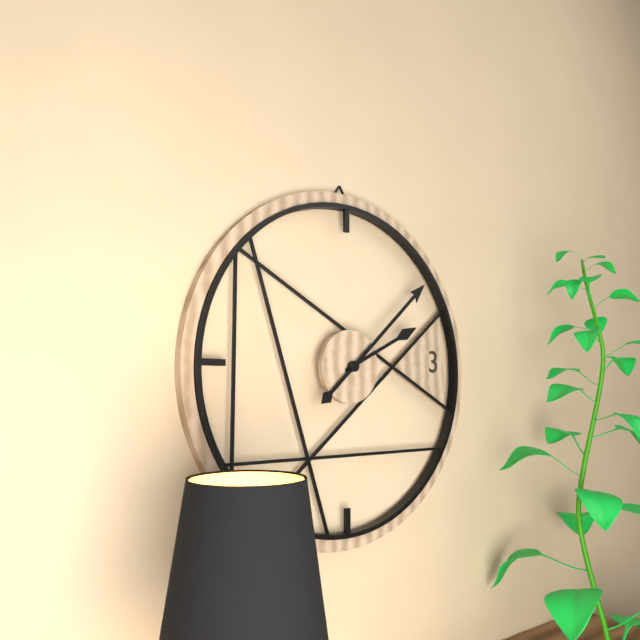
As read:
**2:08**
